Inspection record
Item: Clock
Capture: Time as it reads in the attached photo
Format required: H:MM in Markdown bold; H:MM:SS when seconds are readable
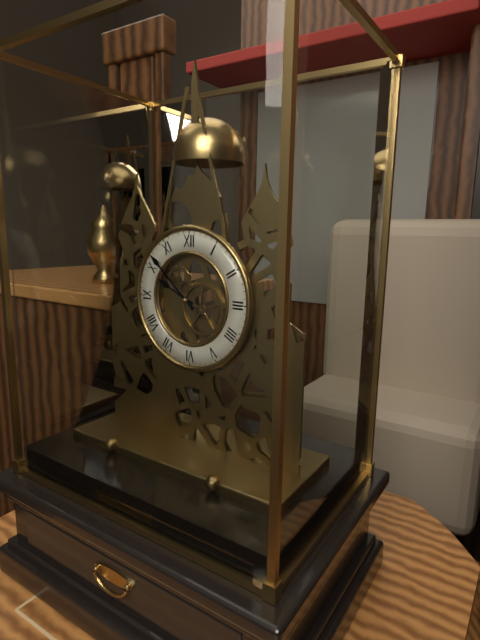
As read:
**9:52**
